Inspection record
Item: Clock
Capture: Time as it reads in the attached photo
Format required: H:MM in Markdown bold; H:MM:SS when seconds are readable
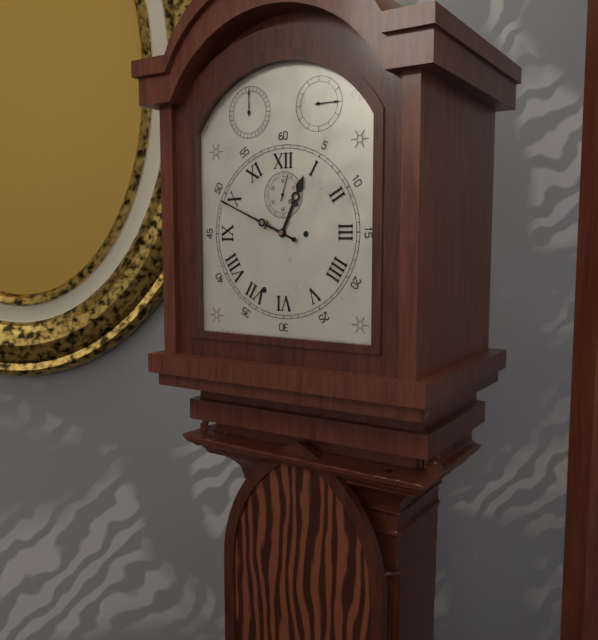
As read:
**12:49**
